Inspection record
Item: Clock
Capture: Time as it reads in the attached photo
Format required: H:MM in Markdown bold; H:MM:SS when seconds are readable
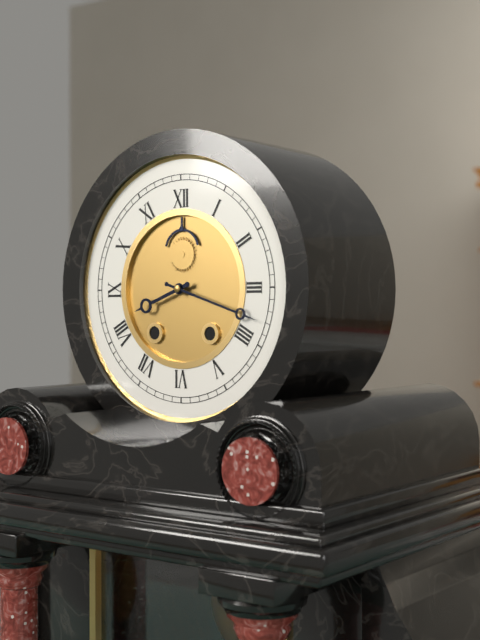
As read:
**8:18**
